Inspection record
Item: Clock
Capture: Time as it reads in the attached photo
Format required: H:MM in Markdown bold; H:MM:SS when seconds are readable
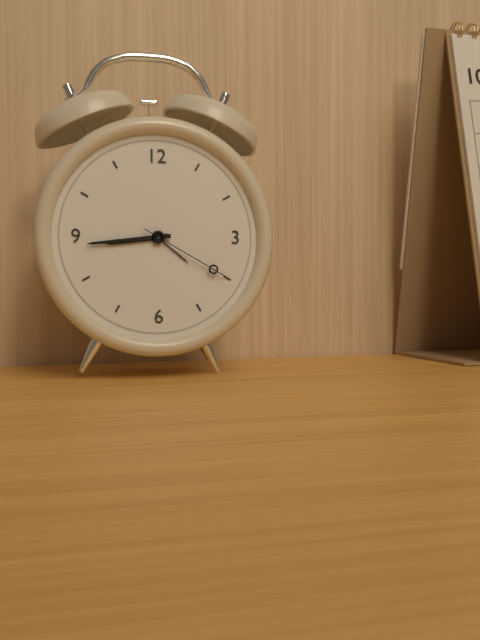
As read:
**8:44:20**
